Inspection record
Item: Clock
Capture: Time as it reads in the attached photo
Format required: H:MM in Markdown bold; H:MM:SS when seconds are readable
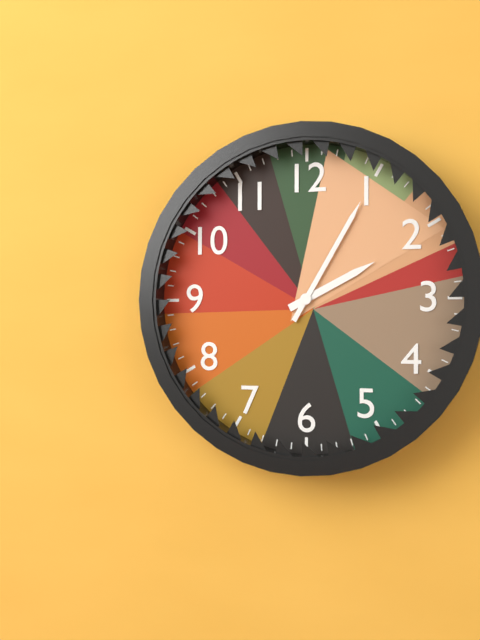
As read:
**2:05**
